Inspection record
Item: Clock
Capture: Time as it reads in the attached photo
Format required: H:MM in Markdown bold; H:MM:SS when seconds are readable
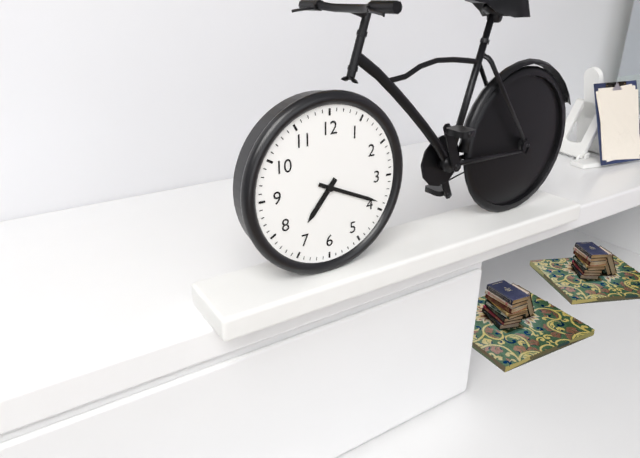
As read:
**7:19**
